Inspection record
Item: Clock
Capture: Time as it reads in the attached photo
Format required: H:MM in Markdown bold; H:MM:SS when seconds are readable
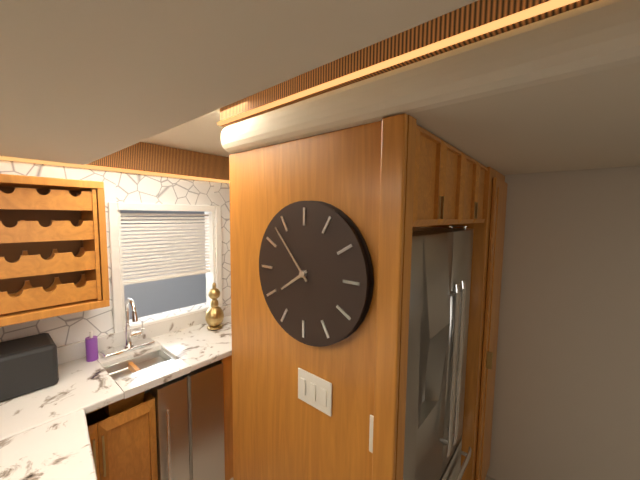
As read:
**7:53**
